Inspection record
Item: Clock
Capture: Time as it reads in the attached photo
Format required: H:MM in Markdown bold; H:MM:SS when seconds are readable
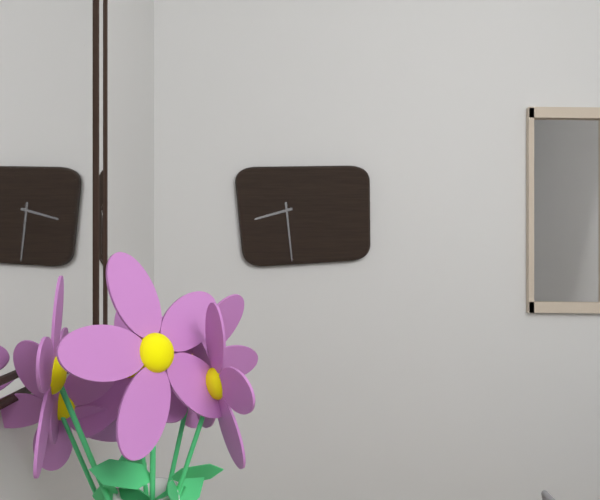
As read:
**8:29**
